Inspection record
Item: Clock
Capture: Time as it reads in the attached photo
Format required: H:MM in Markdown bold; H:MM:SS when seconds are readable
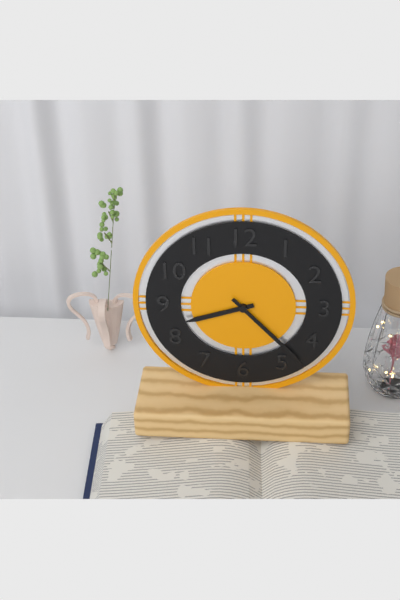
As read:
**8:23**
